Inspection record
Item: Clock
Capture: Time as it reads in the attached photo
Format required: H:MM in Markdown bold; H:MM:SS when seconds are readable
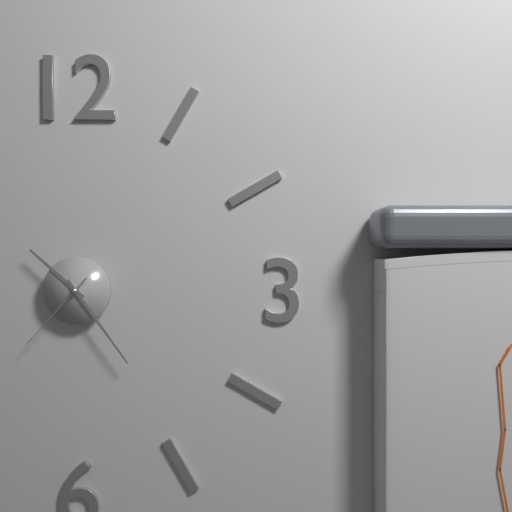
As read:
**10:24:37**
